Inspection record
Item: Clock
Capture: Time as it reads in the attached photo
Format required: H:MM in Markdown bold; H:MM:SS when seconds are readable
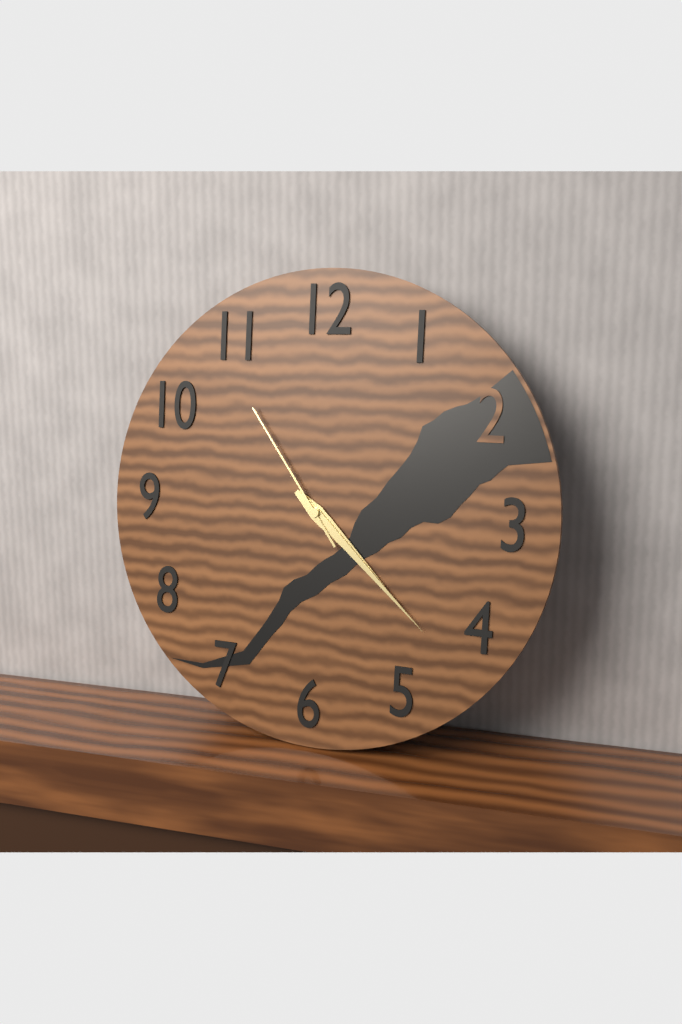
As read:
**4:22:54**
